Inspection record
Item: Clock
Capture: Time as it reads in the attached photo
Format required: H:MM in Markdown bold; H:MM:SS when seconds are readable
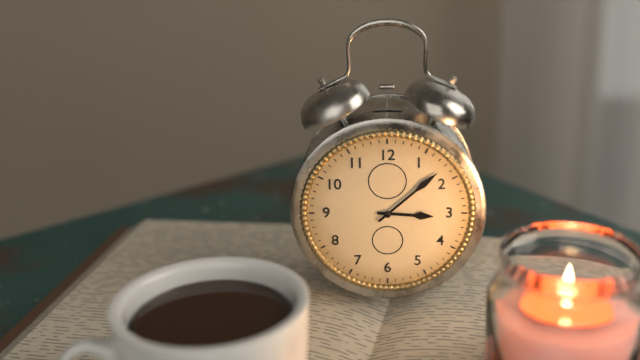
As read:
**3:08**
